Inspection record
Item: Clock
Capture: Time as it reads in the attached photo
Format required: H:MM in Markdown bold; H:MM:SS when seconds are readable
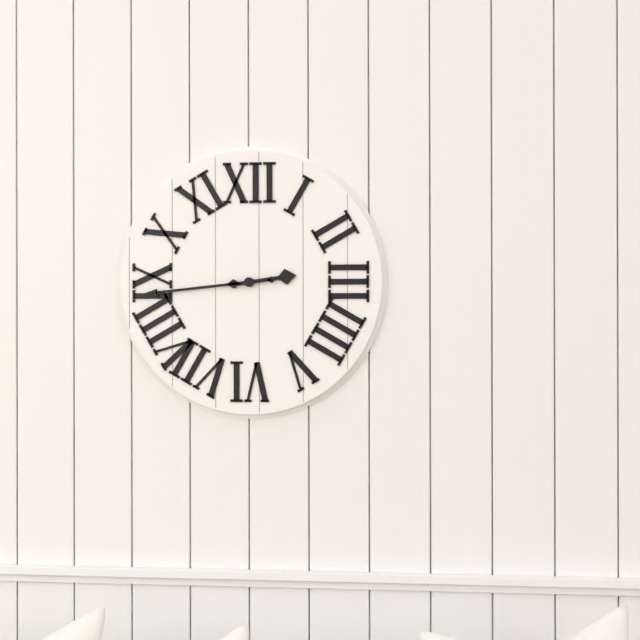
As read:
**2:44**
